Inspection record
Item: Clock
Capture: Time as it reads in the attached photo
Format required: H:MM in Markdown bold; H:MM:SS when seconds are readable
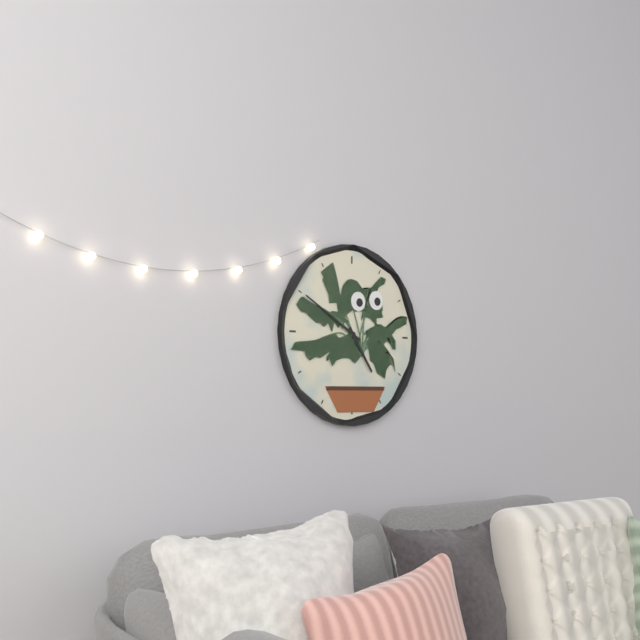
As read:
**4:50**
